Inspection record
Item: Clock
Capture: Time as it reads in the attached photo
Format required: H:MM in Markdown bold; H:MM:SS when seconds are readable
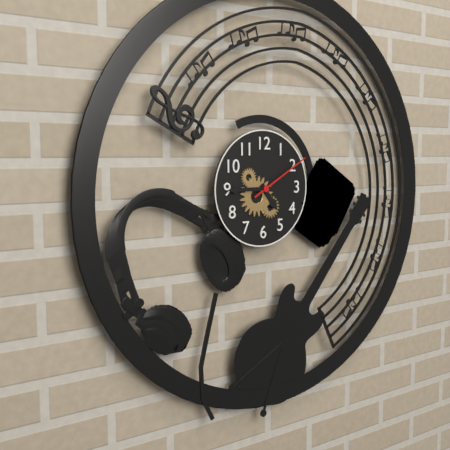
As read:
**4:45:10**
